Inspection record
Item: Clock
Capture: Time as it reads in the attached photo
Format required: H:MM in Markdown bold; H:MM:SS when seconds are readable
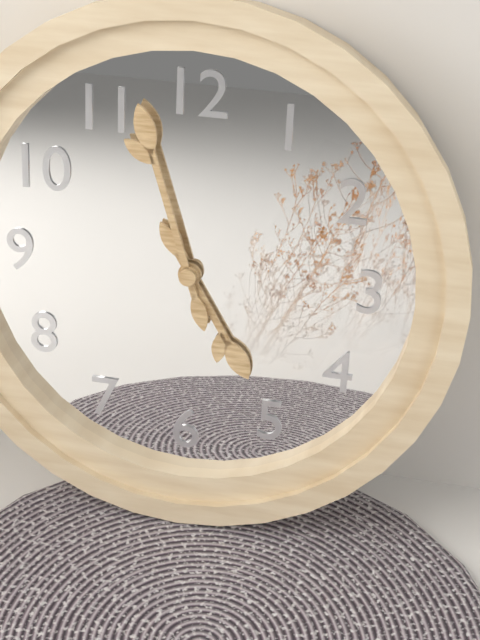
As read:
**4:57**
